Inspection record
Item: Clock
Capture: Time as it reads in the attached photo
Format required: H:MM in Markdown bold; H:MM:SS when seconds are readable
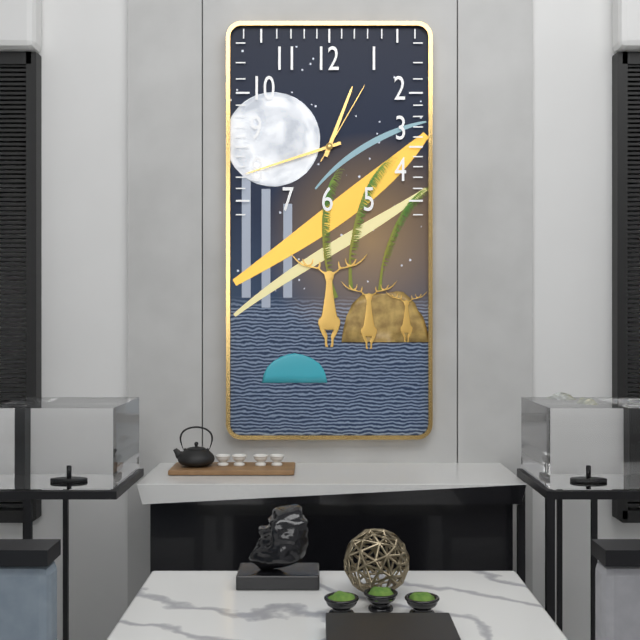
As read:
**12:42:05**
